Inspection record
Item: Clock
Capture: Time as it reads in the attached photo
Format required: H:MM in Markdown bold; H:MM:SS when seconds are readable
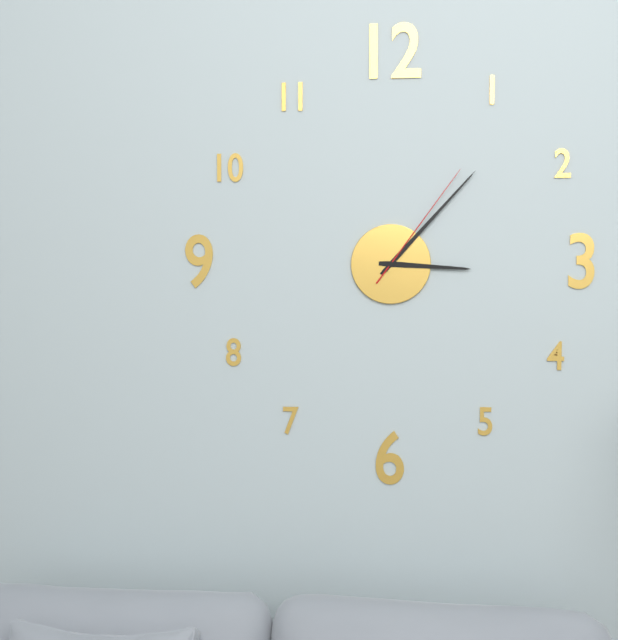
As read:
**3:07:06**
